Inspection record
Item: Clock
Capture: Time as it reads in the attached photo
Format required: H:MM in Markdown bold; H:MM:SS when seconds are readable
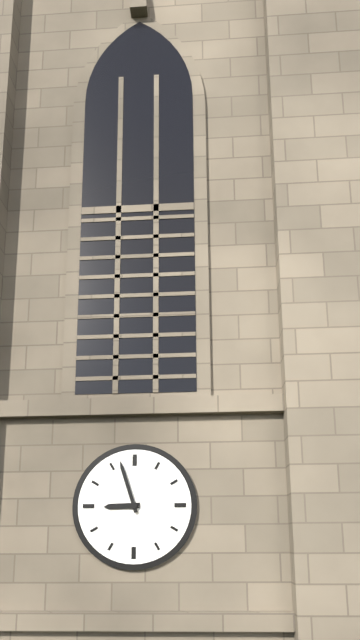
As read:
**8:57**
